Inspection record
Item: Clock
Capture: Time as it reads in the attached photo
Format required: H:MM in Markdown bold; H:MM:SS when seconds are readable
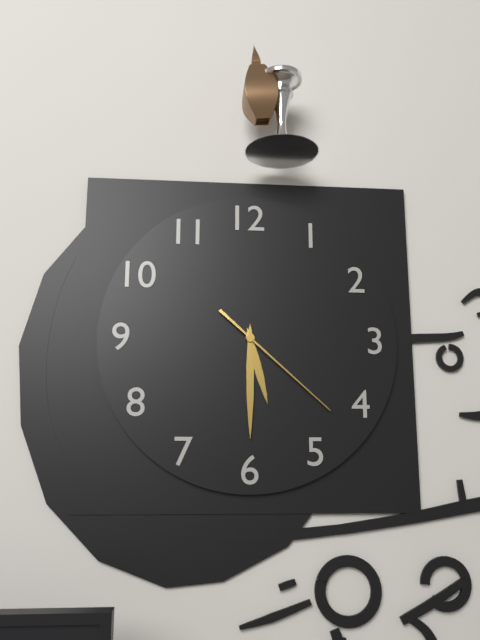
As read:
**5:30:22**
